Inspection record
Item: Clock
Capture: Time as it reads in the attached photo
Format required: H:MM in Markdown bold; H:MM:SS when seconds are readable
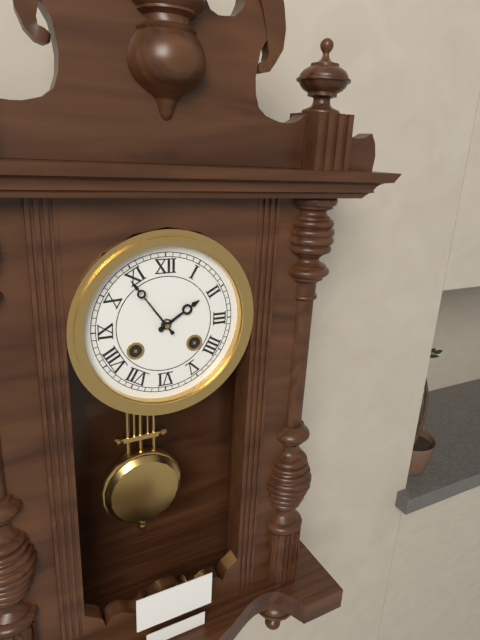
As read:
**1:54**
